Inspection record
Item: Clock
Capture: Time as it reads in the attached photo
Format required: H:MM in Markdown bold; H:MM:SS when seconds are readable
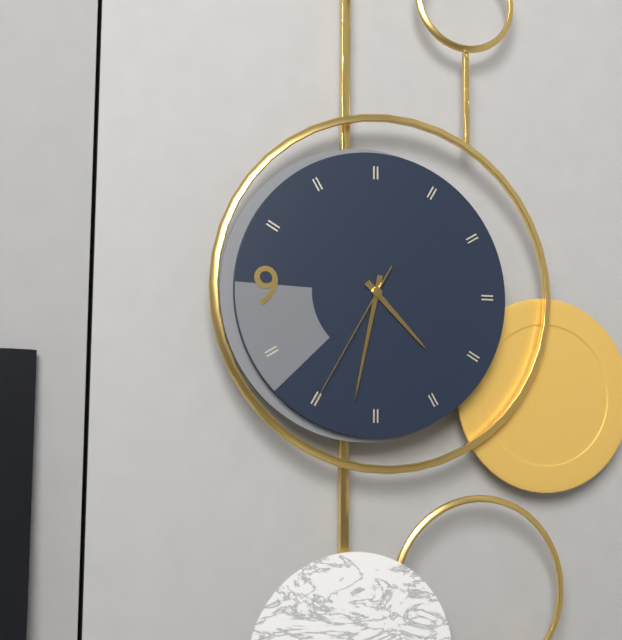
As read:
**4:32:35**
